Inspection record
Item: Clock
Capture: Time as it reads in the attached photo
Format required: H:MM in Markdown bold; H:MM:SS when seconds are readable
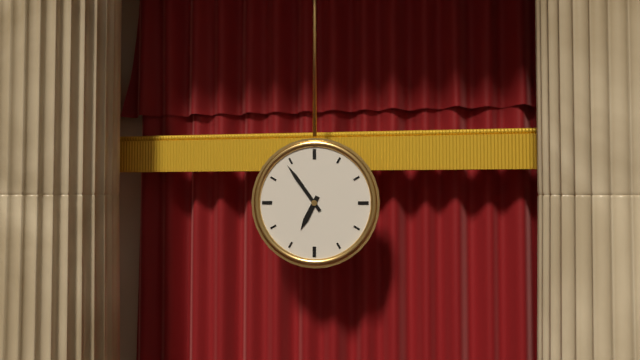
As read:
**6:54**
